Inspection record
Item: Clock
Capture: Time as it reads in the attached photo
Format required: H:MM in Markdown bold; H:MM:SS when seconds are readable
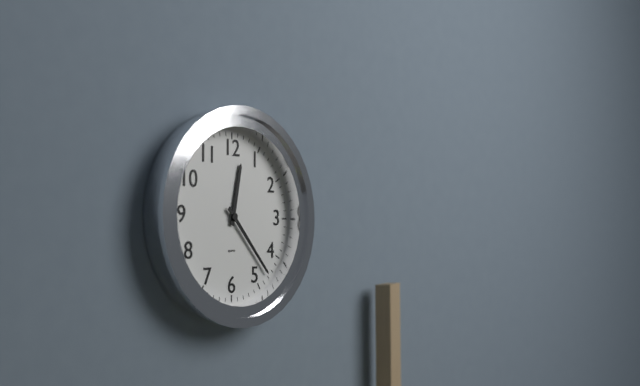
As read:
**12:23**
